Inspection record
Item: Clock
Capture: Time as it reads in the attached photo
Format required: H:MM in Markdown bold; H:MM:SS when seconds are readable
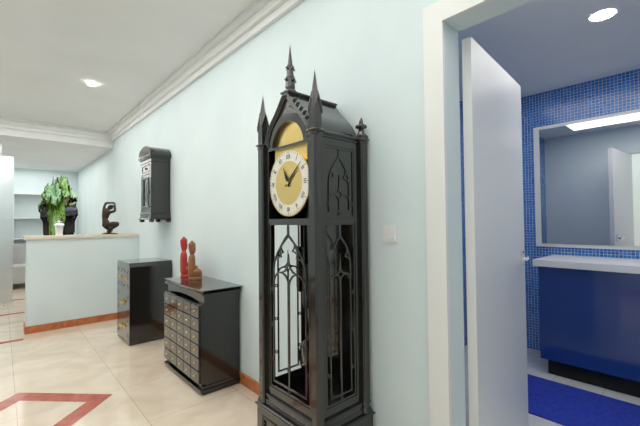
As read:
**11:08**
